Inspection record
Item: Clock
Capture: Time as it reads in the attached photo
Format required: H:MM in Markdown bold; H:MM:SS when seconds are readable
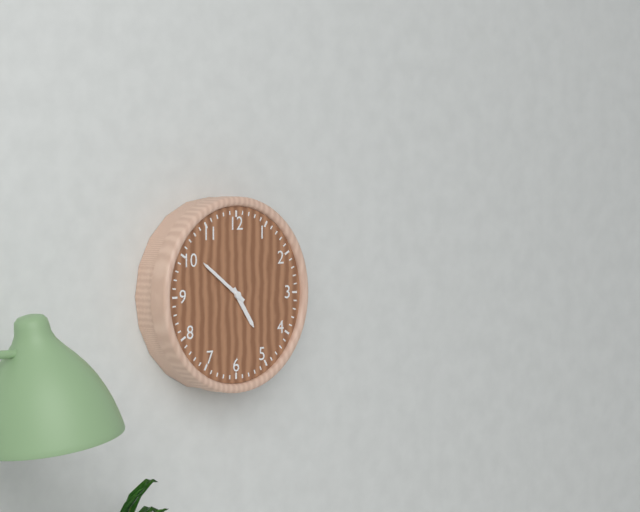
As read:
**4:51**
